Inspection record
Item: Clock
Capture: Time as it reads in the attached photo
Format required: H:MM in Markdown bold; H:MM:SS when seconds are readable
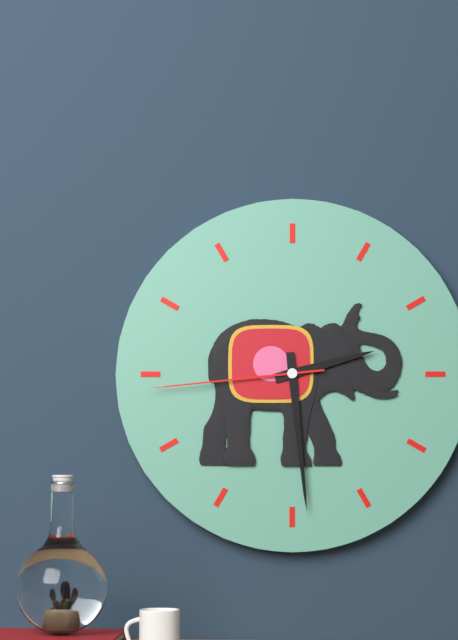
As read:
**2:29:44**
